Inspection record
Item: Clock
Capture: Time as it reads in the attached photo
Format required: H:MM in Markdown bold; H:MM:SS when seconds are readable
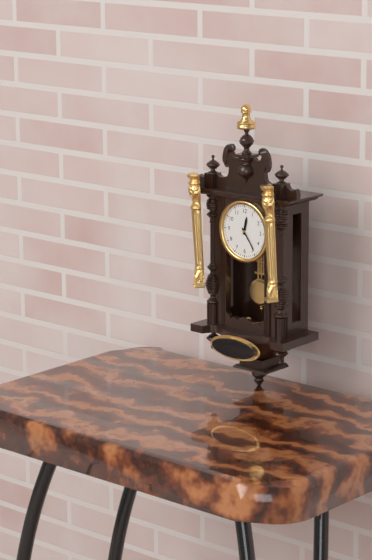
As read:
**12:24**
